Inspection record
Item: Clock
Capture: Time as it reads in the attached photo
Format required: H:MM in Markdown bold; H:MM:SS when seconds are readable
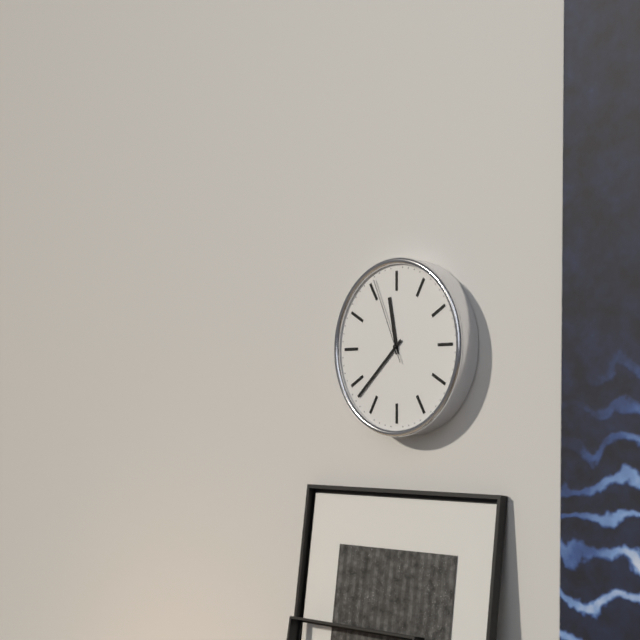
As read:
**11:38:56**
